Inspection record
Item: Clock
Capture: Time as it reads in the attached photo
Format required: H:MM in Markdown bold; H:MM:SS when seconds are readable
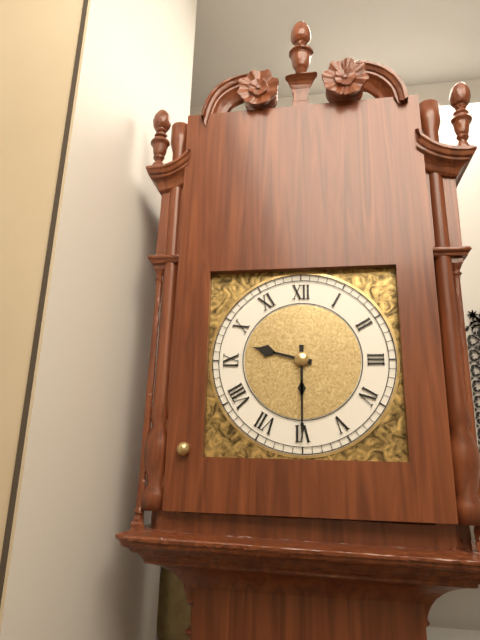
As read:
**9:30**
